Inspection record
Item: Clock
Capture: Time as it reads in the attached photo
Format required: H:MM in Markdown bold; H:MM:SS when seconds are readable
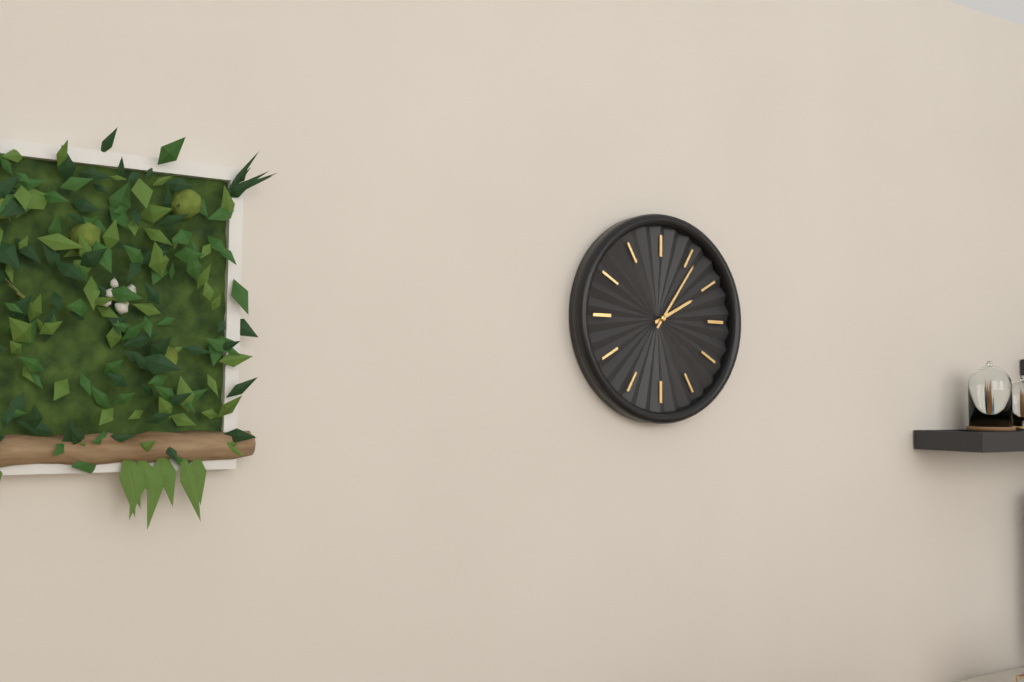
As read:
**2:06**
